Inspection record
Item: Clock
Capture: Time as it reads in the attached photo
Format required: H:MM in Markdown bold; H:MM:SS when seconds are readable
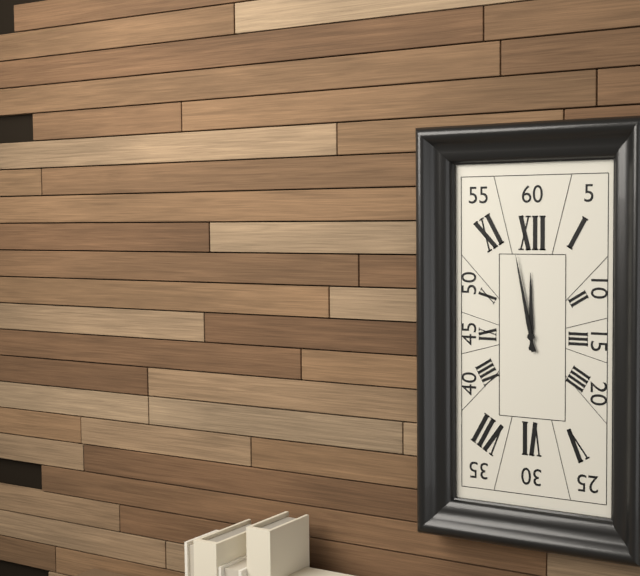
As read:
**11:58**
